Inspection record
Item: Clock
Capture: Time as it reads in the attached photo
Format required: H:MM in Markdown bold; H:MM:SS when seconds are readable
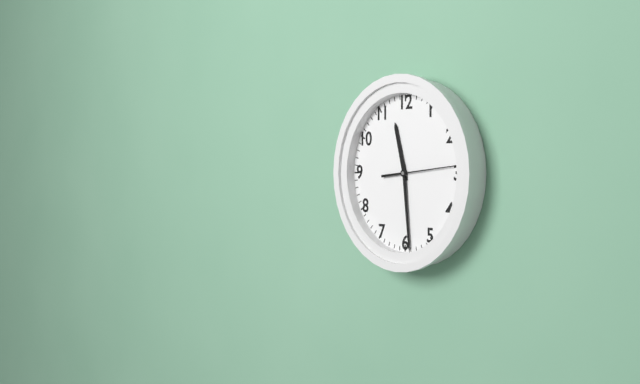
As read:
**11:29:14**
